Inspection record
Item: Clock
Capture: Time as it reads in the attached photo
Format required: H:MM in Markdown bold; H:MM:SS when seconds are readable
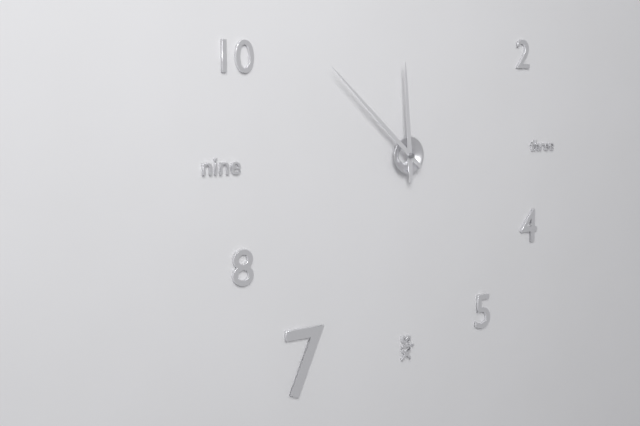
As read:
**11:52**
